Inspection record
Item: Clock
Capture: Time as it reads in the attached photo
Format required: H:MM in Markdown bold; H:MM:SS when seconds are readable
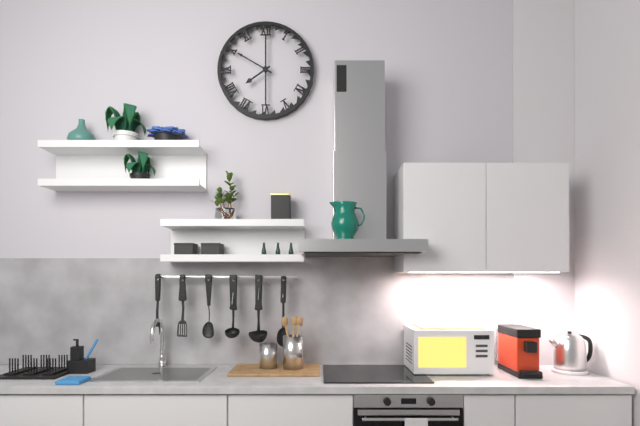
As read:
**7:50**
